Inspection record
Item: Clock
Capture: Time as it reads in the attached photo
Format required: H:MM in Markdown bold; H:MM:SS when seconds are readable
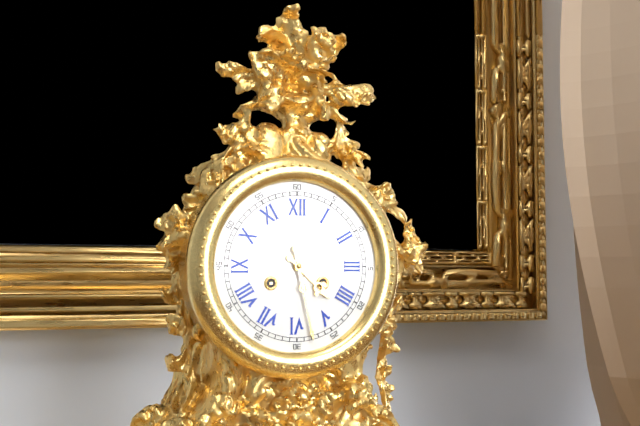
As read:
**4:28**
